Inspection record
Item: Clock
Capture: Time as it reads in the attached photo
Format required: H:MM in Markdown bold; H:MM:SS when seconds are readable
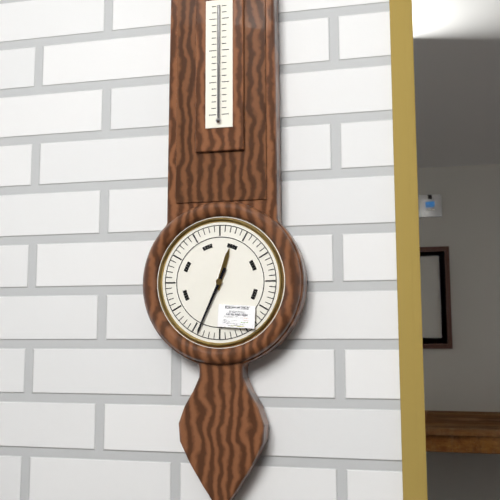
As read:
**12:34**
